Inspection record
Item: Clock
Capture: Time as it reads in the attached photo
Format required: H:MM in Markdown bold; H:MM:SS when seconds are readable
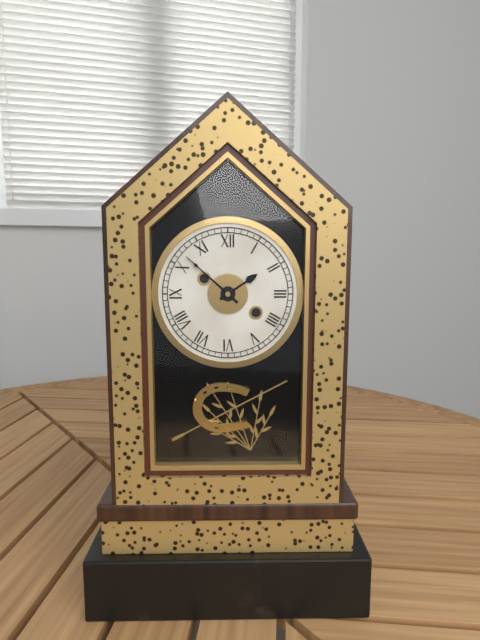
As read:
**1:52**
